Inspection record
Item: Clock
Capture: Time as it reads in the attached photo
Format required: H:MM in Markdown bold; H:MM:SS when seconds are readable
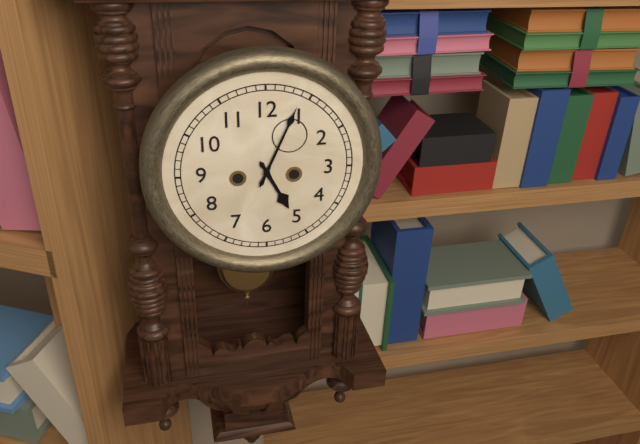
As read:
**5:04**
